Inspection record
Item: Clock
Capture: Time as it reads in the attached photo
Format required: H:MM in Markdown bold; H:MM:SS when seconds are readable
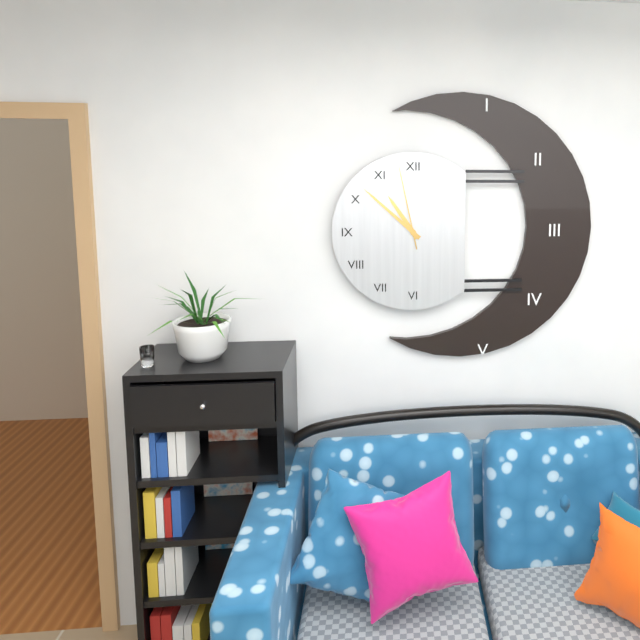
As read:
**10:52:58**
